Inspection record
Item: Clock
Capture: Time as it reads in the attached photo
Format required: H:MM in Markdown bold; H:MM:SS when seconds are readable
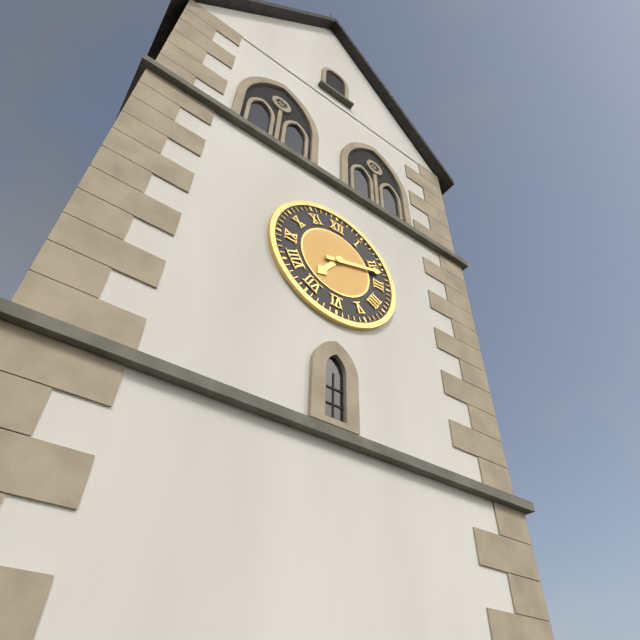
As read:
**7:12**
